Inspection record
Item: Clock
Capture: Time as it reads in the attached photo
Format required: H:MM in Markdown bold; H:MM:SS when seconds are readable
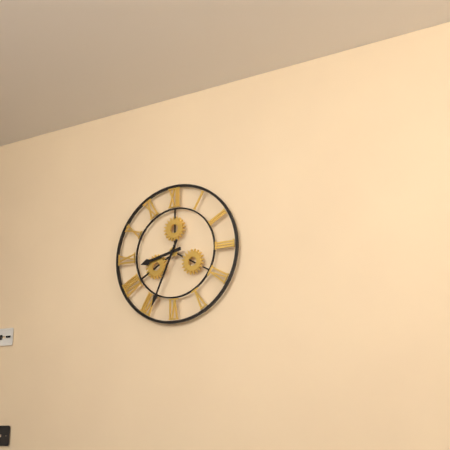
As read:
**8:34**
